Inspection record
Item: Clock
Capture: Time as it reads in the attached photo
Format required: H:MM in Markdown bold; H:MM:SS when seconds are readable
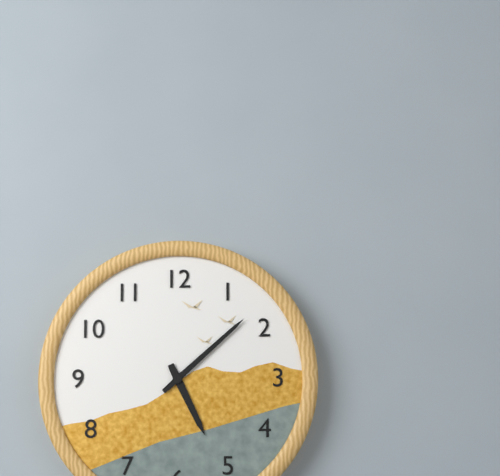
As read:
**5:08**
